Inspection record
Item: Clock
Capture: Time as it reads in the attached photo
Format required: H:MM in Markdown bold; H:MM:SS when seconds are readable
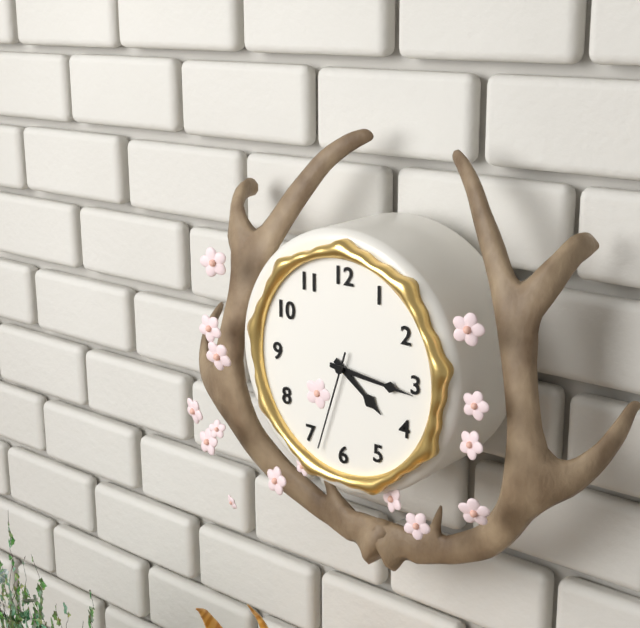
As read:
**4:16:33**
